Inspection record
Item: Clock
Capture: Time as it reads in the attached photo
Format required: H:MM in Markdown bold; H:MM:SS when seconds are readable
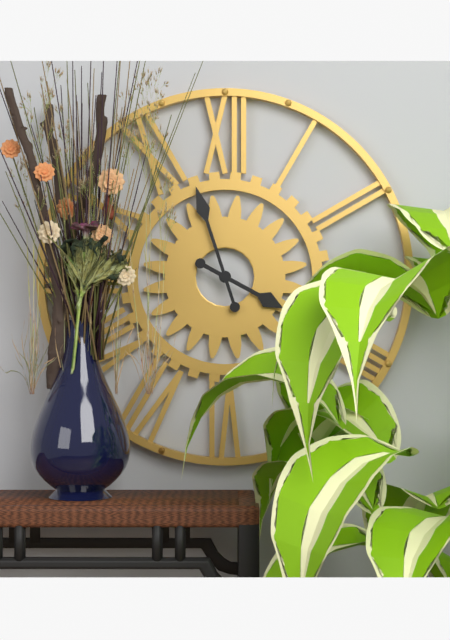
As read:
**3:57**
